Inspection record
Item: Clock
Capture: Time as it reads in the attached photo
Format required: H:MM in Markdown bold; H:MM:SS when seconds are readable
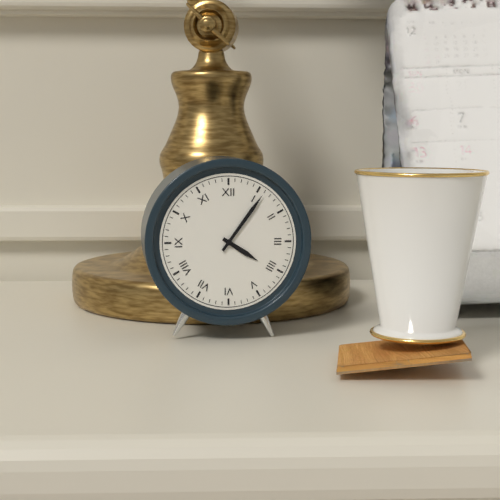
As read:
**4:06**
